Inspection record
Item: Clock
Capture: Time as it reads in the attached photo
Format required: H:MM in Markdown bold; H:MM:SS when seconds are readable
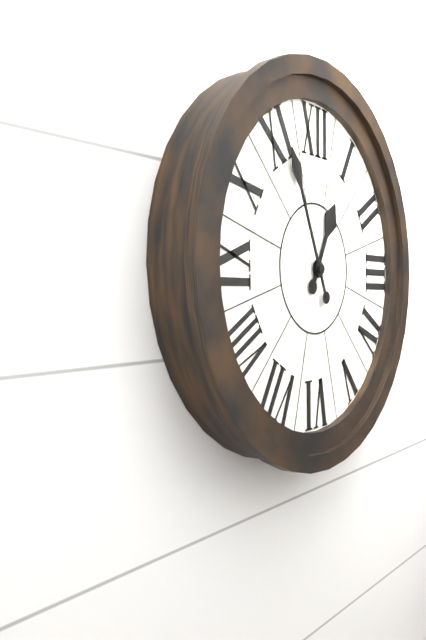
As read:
**12:56**
